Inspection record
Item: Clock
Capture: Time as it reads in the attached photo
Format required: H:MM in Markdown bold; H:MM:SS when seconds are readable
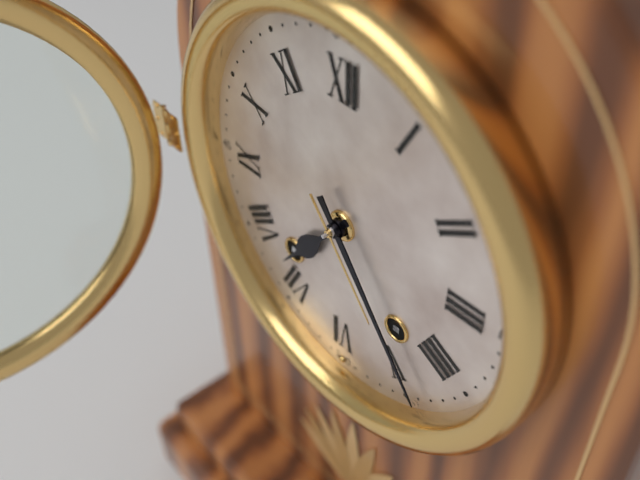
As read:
**7:24**
